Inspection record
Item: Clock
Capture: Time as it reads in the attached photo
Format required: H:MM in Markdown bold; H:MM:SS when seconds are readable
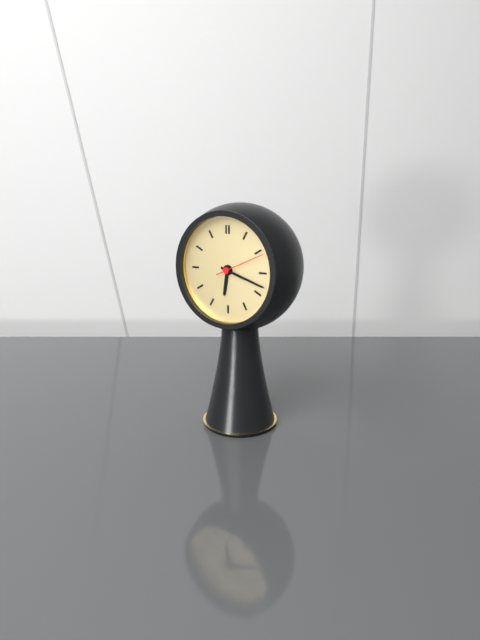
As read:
**6:18**
